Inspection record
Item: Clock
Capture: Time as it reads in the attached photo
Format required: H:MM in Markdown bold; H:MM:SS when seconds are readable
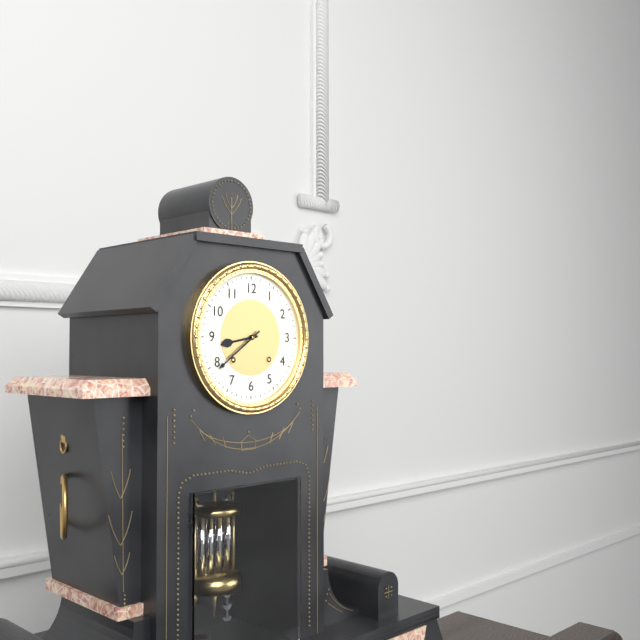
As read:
**8:39**
